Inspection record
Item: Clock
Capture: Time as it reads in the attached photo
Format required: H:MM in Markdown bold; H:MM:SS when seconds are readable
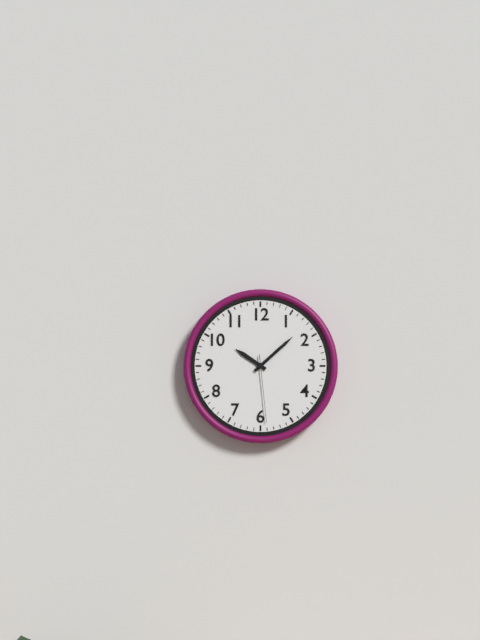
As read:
**10:08:29**
